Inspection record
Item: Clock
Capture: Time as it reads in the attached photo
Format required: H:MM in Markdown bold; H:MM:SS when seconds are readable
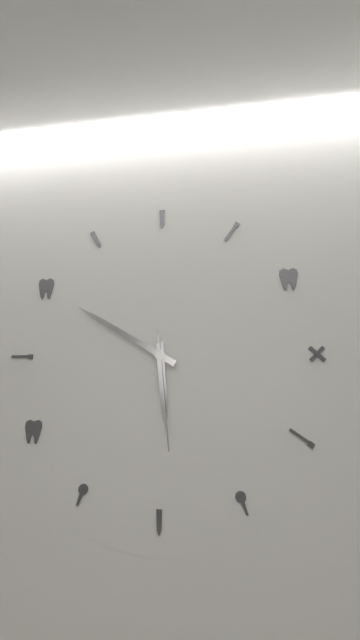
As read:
**5:50:29**
